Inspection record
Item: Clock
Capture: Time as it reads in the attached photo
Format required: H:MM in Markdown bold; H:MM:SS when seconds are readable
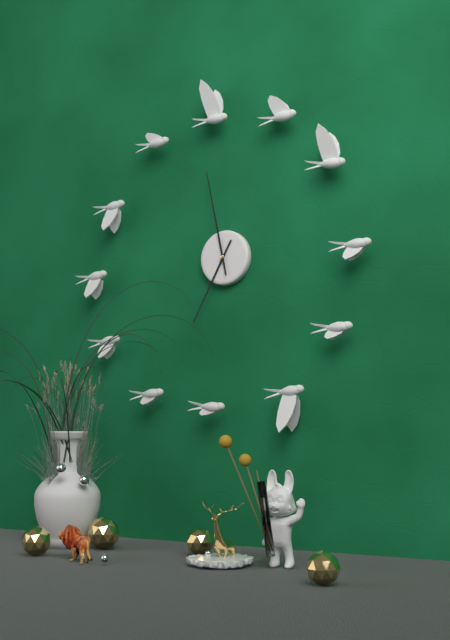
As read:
**6:58**
